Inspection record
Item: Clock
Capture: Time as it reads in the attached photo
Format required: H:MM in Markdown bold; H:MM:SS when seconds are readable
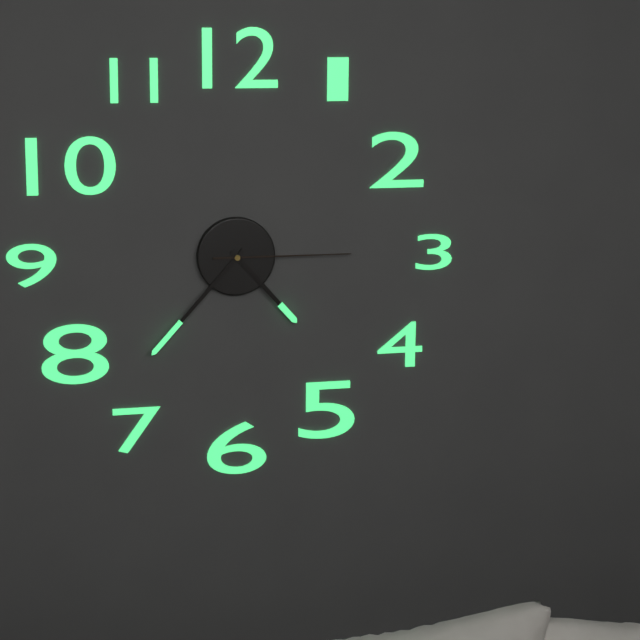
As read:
**4:37:15**
